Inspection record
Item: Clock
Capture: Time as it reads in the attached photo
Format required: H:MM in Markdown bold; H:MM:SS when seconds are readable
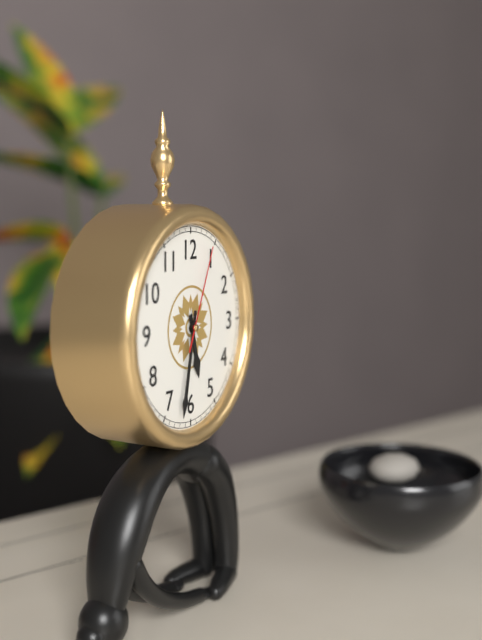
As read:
**5:32:04**
